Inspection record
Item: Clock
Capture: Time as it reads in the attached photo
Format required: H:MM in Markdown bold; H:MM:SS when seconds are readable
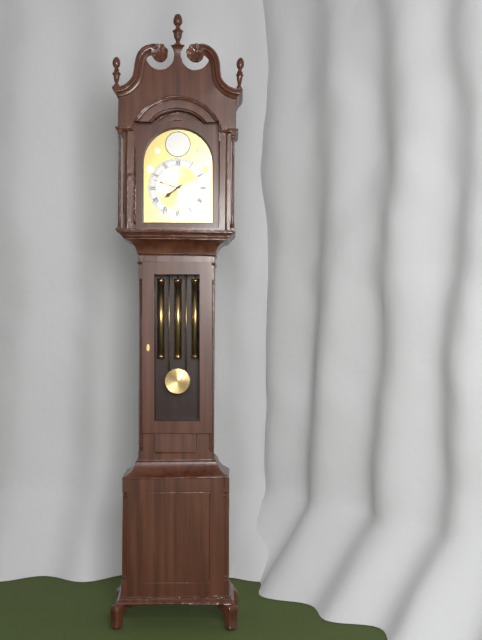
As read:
**7:48**
